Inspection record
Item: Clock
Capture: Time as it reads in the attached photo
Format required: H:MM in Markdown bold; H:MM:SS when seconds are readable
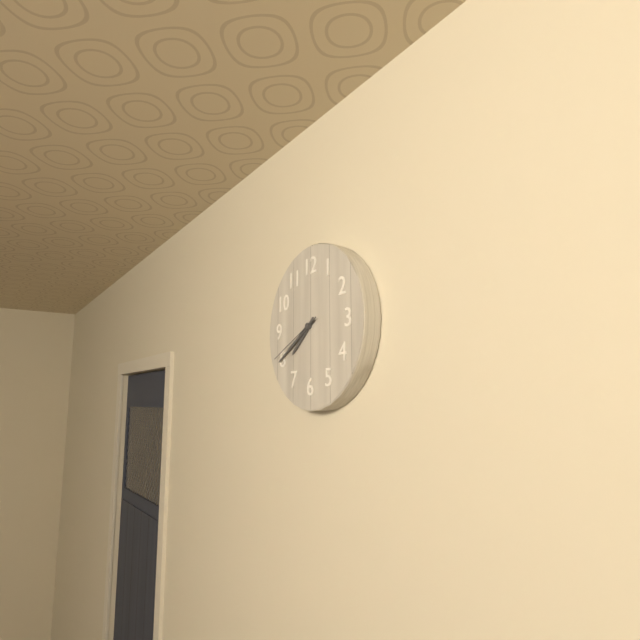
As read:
**7:40:41**
